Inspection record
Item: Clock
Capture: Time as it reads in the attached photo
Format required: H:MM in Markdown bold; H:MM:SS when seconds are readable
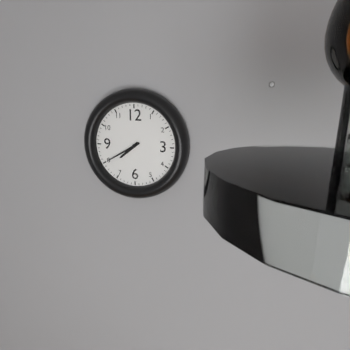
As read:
**7:40**
